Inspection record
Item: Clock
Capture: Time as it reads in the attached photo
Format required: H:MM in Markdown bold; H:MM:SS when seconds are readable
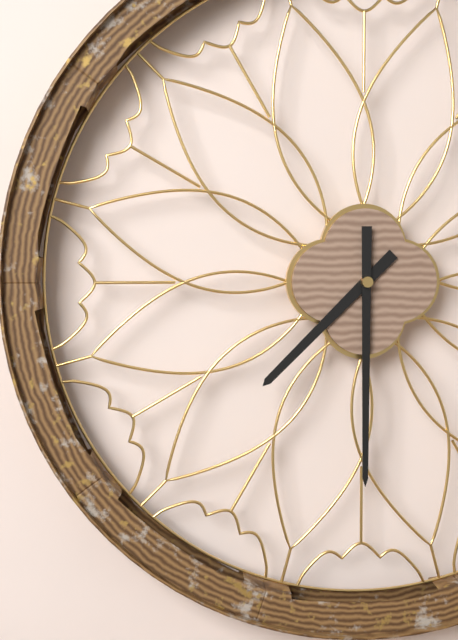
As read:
**7:30**
